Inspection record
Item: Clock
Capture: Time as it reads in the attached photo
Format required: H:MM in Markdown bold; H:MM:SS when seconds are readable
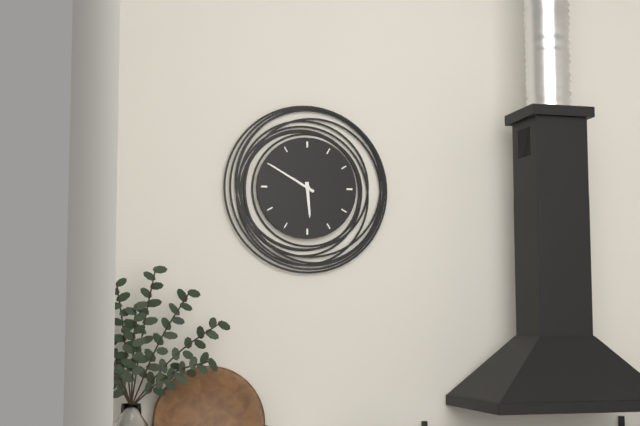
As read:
**5:50**
